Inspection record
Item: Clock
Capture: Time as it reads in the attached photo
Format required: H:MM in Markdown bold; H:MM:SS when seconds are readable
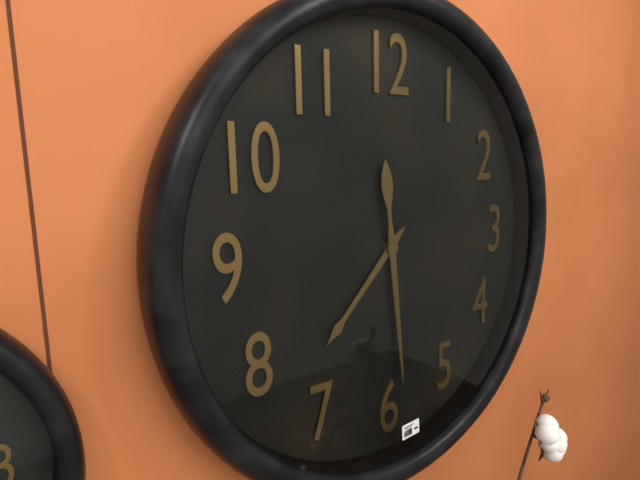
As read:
**7:29**
